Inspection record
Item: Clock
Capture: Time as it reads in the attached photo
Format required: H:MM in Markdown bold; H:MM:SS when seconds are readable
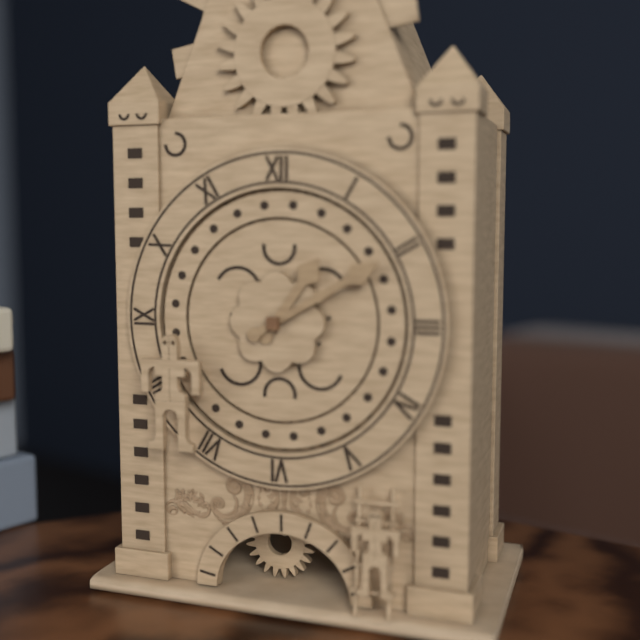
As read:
**1:10**
